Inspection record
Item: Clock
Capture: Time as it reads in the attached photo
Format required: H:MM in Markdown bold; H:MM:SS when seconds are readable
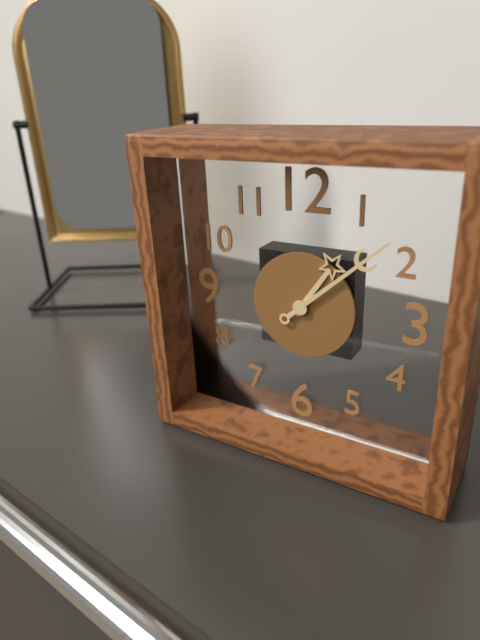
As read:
**1:08**
